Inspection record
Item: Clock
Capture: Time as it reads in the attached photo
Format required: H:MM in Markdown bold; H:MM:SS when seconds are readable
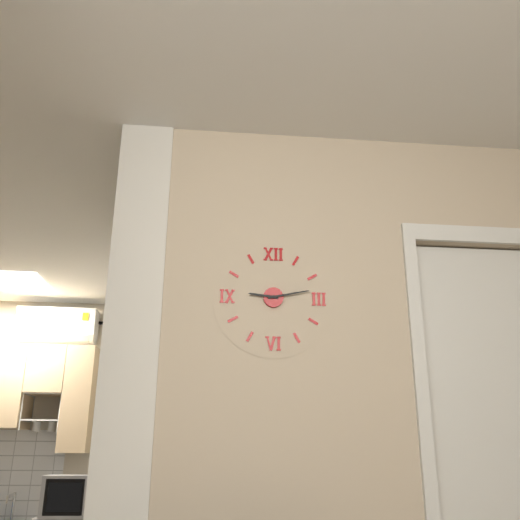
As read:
**9:13**
